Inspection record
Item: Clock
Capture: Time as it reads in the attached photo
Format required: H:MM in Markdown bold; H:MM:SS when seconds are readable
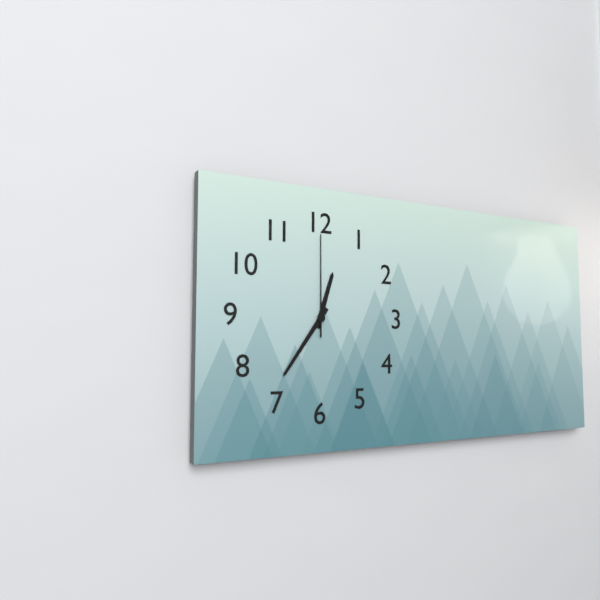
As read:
**12:36:00**
